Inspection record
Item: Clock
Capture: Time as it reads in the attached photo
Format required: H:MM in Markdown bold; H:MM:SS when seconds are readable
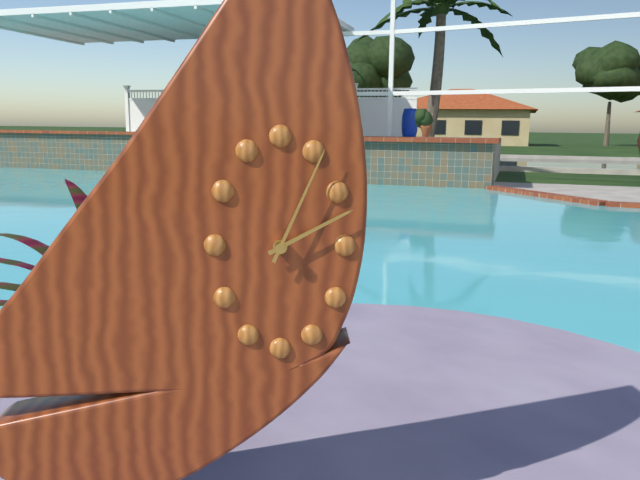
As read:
**2:04**
